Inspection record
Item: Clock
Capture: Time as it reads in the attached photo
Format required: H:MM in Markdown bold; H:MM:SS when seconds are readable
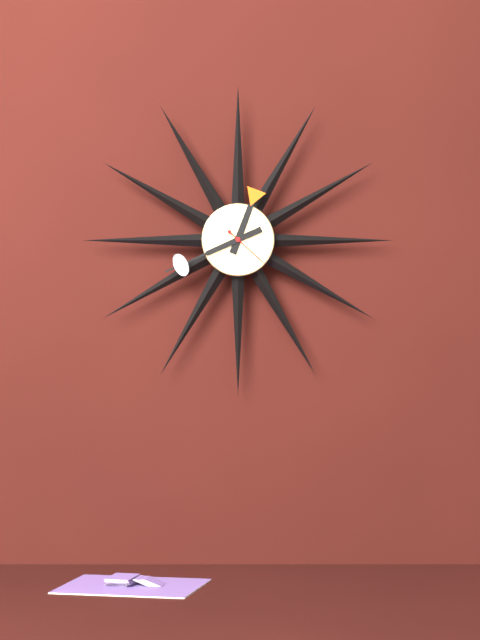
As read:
**12:41**
